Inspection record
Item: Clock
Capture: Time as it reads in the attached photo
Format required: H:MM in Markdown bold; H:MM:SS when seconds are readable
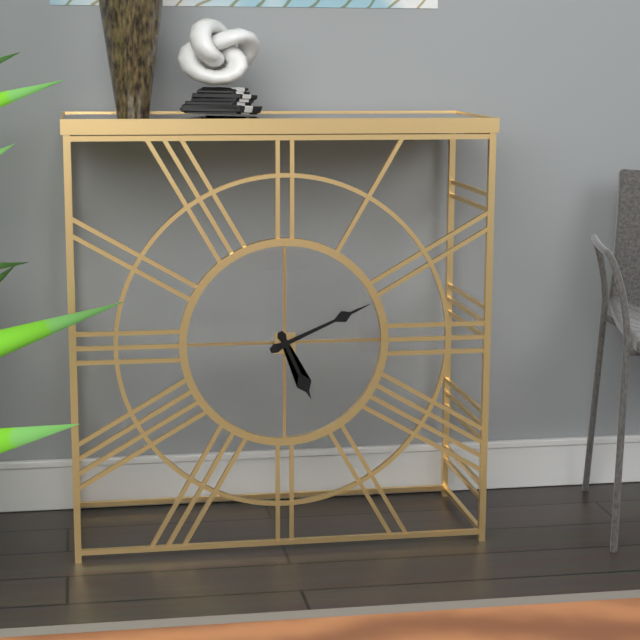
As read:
**5:11**
